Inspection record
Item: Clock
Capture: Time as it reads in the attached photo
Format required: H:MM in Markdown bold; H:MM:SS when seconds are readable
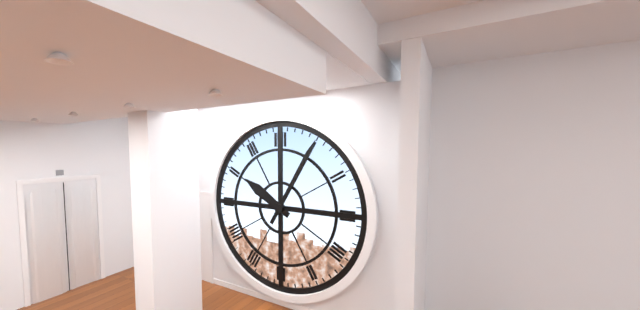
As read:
**10:05**
